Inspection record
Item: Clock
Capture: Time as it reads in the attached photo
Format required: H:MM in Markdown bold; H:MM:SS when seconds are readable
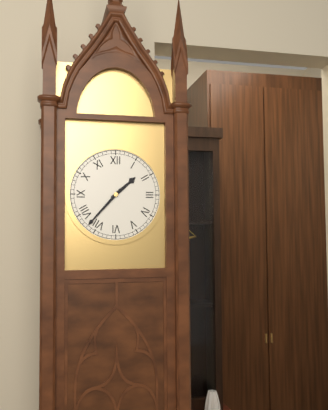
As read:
**1:37**
